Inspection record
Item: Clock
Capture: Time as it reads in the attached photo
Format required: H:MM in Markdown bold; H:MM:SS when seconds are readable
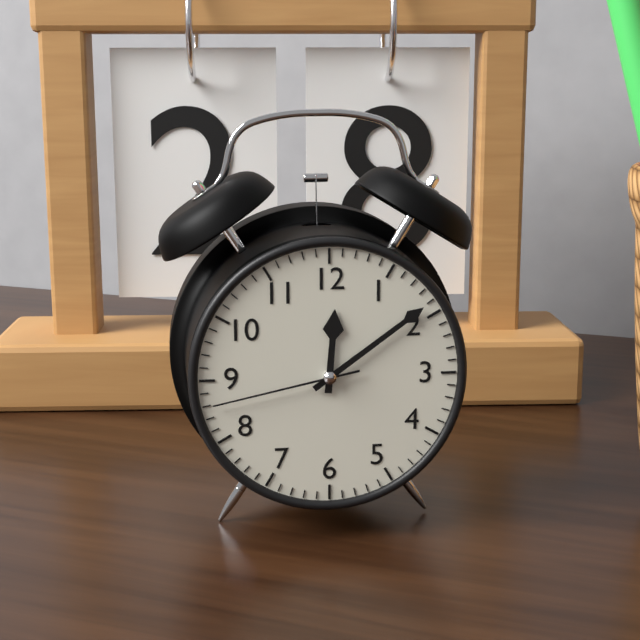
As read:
**12:09:43**
